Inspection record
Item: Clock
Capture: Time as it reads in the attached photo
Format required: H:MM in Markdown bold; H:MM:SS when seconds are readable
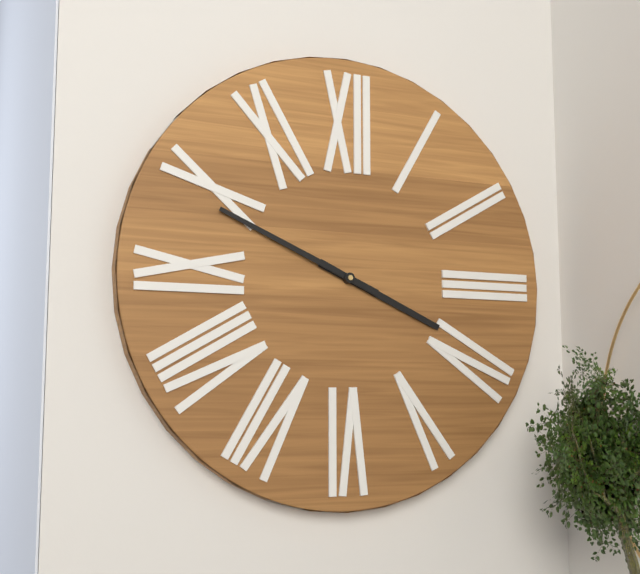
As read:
**3:49**
